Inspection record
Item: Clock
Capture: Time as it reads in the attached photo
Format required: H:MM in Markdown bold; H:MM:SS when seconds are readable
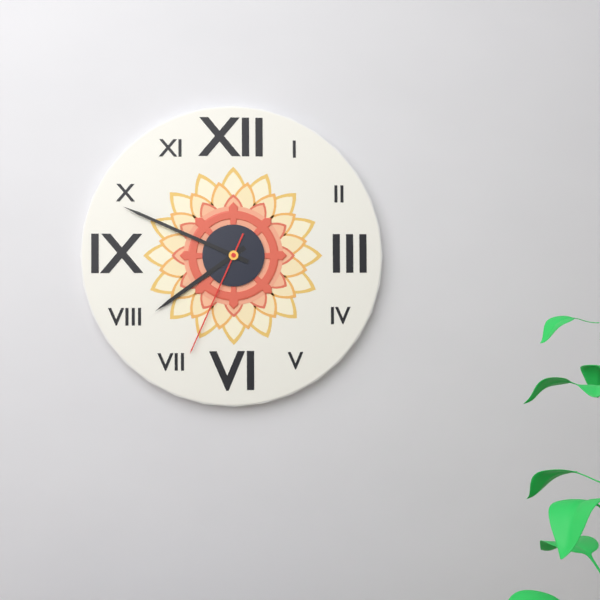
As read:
**7:49:34**
